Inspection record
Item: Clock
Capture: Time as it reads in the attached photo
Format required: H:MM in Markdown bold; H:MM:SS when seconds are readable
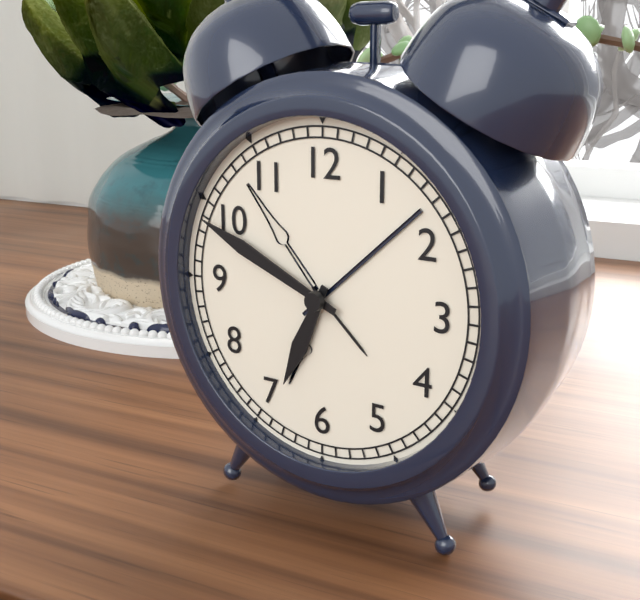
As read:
**6:49**
